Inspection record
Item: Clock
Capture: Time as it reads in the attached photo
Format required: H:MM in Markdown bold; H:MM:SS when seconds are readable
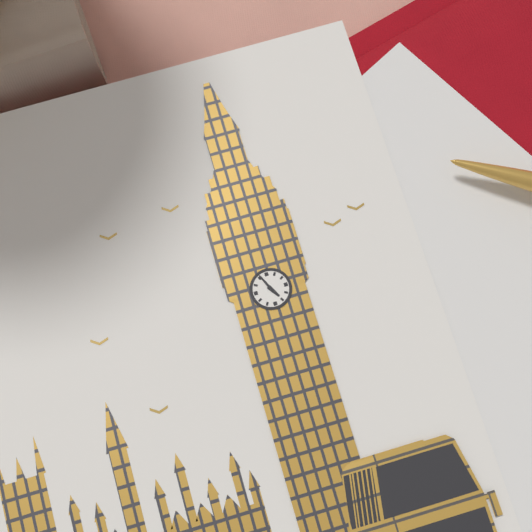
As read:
**4:56**
